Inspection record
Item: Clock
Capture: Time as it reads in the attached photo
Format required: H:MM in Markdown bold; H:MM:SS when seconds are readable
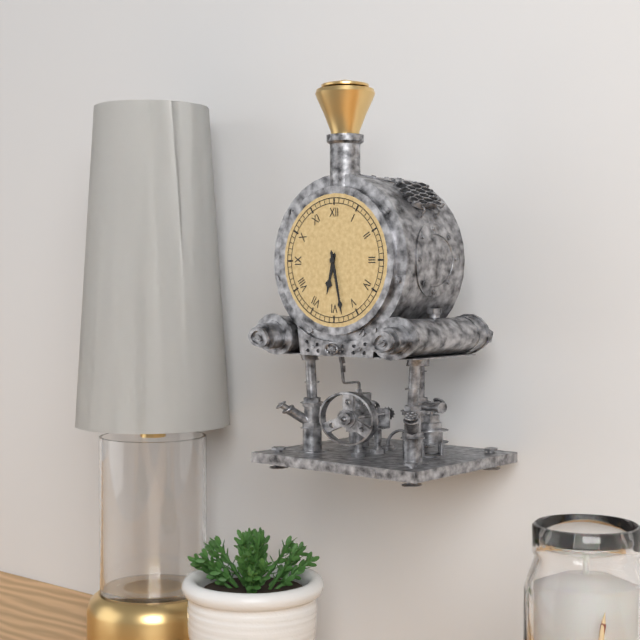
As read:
**6:28**
